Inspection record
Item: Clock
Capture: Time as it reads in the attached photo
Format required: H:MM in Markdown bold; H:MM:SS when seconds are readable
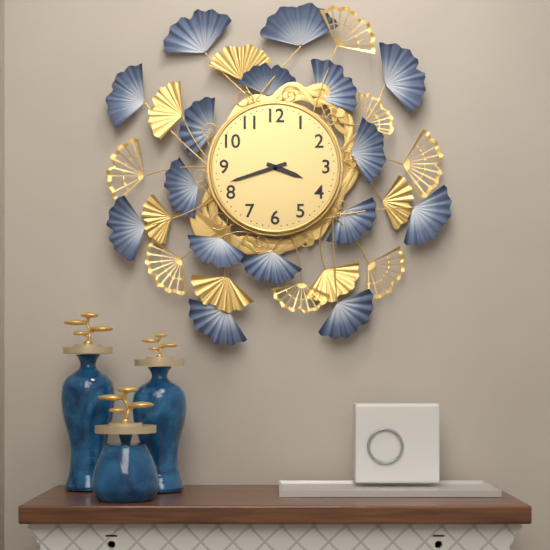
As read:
**3:42**
